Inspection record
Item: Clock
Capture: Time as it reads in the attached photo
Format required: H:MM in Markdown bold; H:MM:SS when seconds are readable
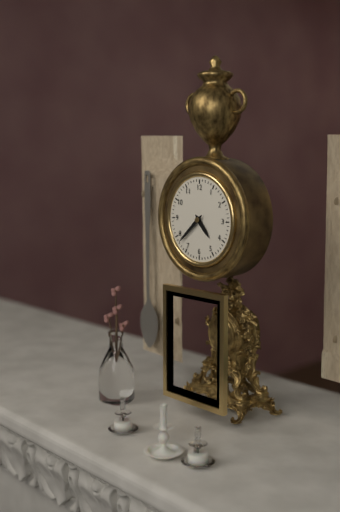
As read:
**4:38**
